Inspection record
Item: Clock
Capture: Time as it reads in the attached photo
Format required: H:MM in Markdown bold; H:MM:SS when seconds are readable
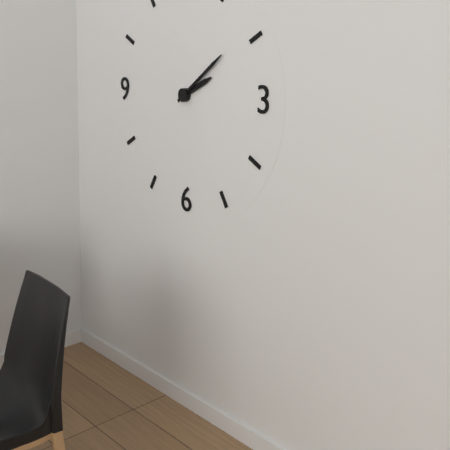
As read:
**2:09**
